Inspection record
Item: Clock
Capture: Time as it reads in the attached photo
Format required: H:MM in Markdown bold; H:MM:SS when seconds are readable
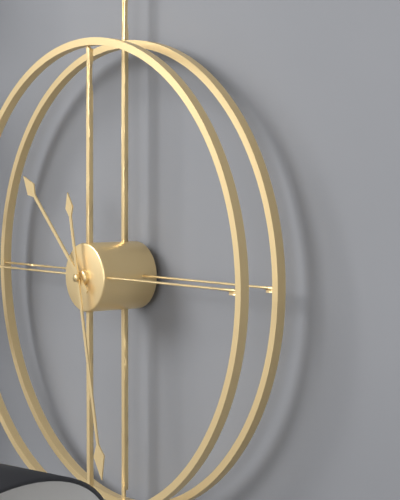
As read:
**10:28**
